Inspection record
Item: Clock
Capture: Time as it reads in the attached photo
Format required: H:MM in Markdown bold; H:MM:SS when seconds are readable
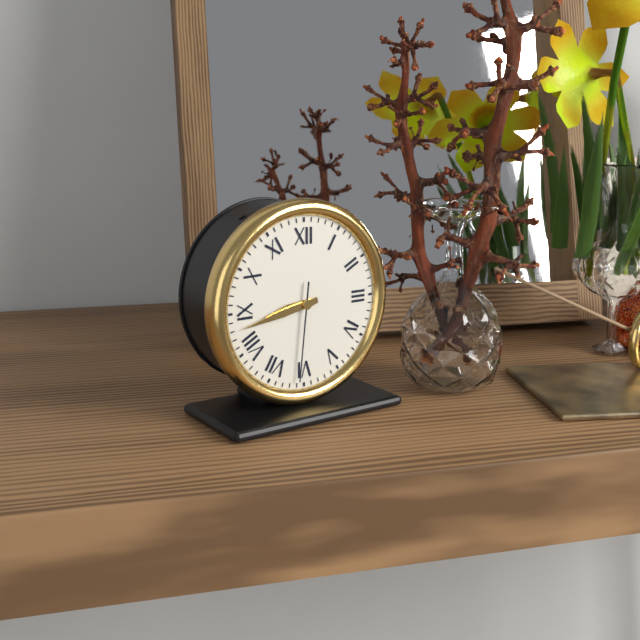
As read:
**8:43:31**
